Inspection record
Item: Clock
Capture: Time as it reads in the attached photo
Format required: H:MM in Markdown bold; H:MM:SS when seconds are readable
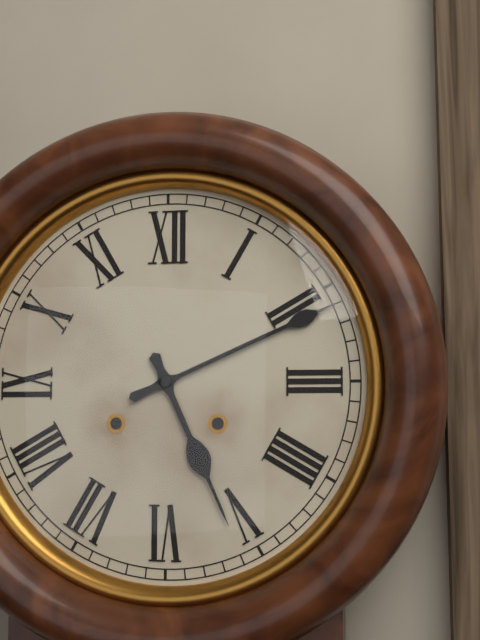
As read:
**5:11**
